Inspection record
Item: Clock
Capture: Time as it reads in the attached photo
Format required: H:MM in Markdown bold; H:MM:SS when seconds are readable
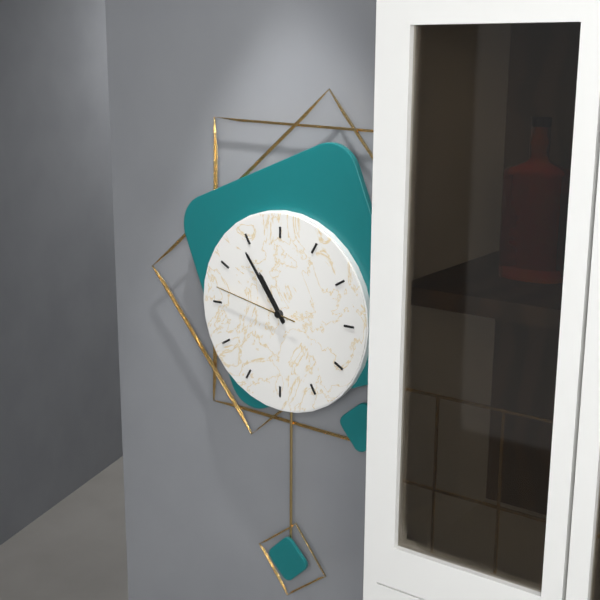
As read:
**10:54:47**
